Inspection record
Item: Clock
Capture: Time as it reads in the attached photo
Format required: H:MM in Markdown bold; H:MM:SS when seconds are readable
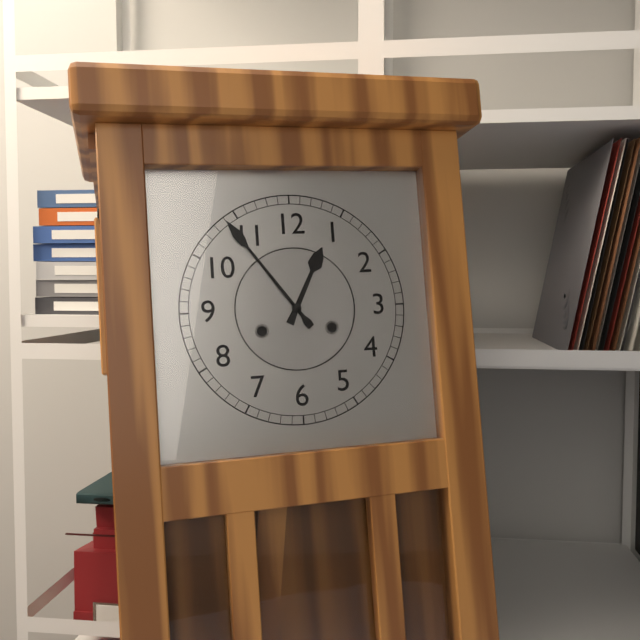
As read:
**12:54**
